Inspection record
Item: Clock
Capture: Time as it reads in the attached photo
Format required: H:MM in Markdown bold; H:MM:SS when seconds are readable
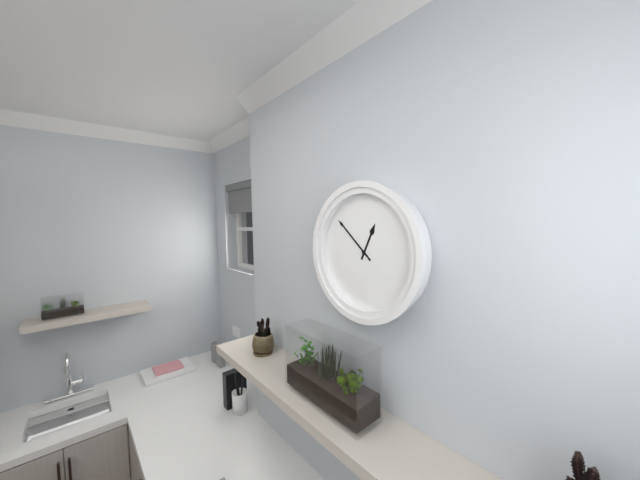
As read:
**12:52**
